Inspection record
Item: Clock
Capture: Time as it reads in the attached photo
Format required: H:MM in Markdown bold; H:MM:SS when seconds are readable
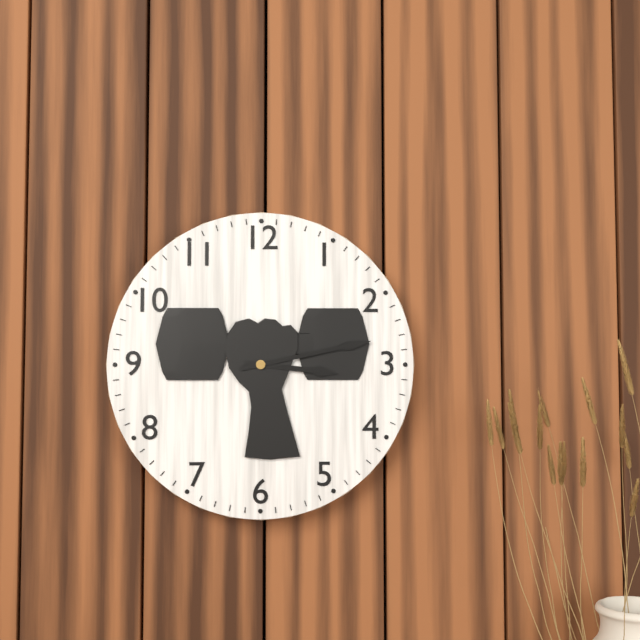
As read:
**3:13**
